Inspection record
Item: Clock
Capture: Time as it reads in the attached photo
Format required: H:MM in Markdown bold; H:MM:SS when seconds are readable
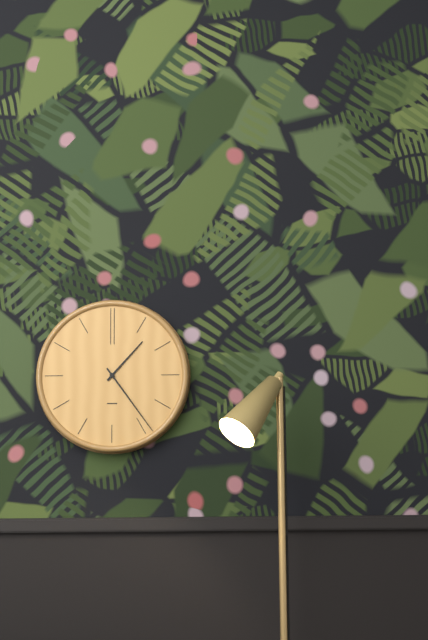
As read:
**1:24**
